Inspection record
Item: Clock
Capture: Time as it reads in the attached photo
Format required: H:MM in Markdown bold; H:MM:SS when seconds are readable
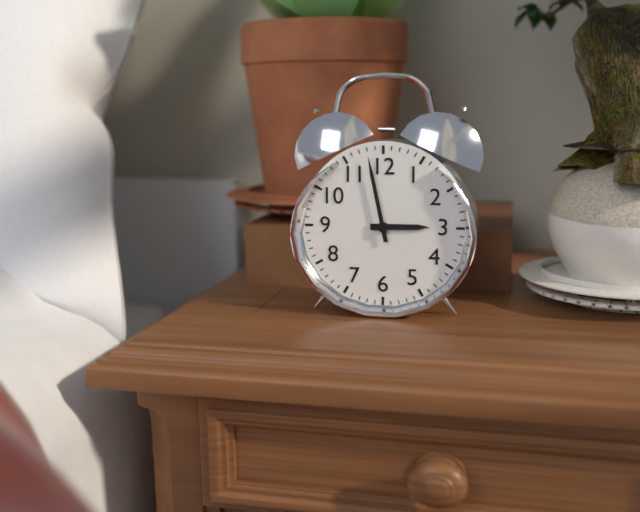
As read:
**2:58**
